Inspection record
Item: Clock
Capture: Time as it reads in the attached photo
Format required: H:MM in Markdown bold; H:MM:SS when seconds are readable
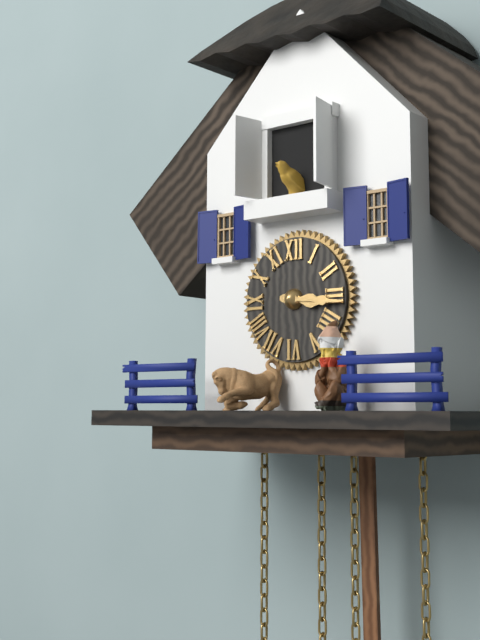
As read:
**3:16**
